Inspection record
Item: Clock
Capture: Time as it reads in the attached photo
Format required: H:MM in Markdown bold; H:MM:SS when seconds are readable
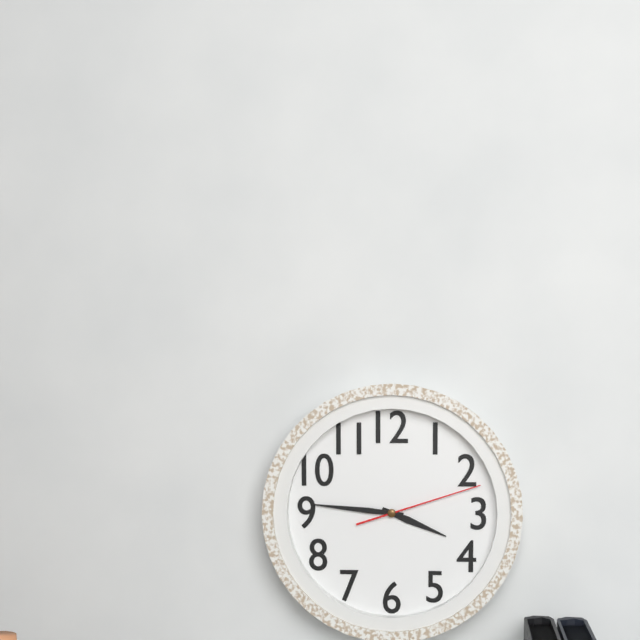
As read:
**3:46:12**
